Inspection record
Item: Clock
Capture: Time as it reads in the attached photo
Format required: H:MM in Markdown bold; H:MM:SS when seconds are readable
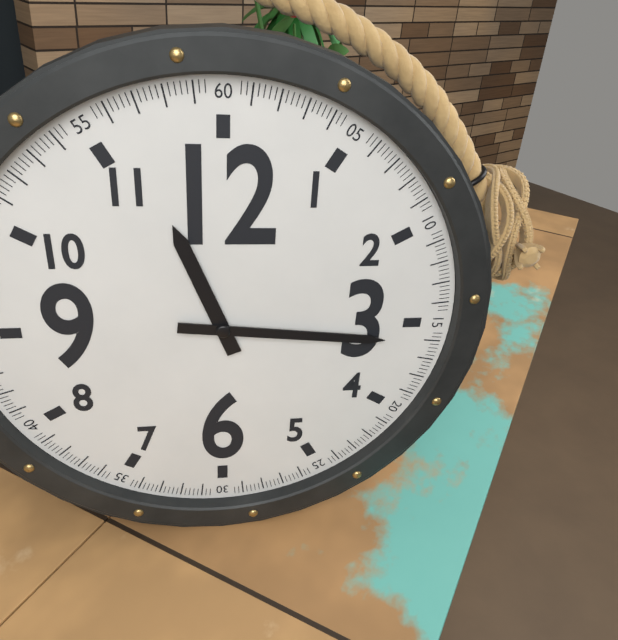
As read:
**11:16**
